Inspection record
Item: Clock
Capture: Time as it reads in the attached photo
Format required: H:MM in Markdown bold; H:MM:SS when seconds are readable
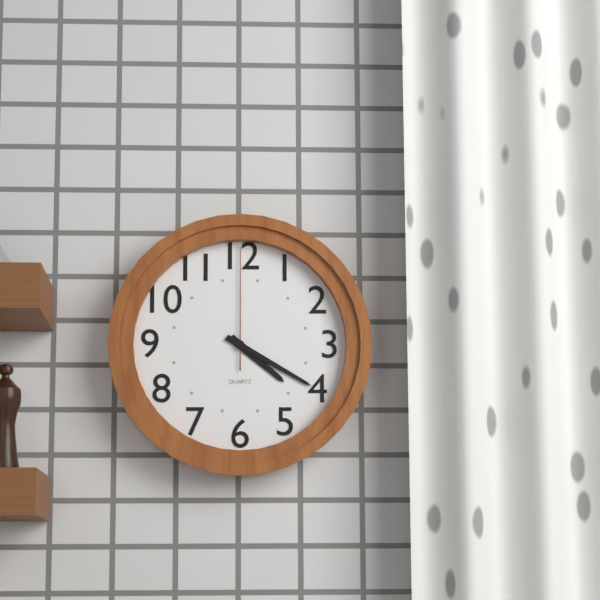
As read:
**4:20:00**
